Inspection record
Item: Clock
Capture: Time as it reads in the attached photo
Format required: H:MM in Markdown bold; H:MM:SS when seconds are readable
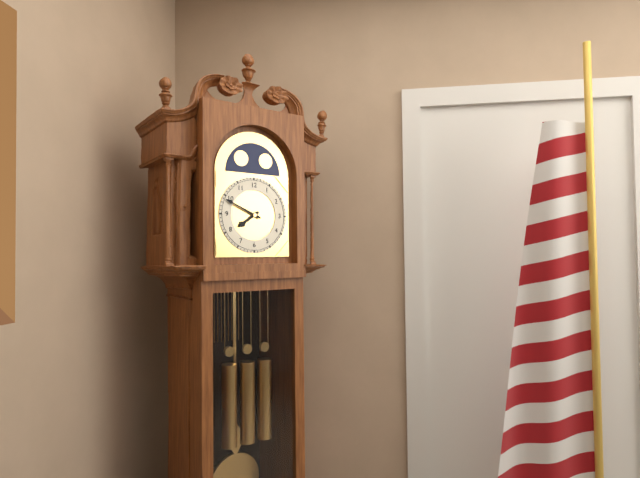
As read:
**7:49**
